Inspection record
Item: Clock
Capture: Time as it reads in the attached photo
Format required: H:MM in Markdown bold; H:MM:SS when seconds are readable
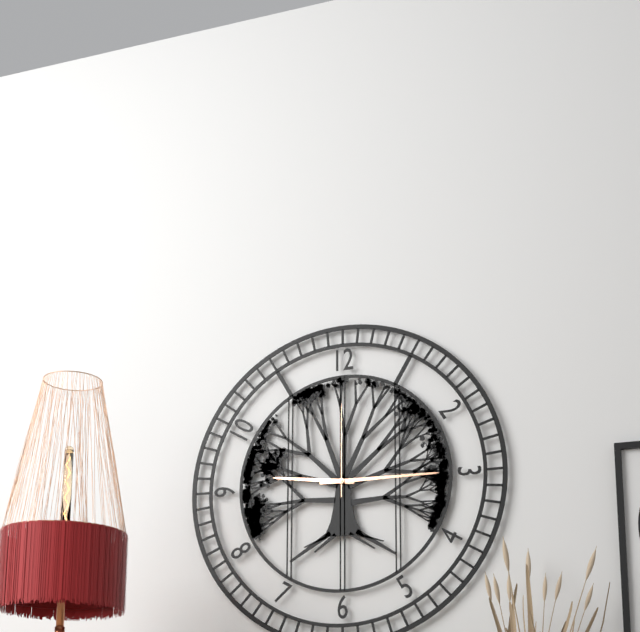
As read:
**9:15:00**
